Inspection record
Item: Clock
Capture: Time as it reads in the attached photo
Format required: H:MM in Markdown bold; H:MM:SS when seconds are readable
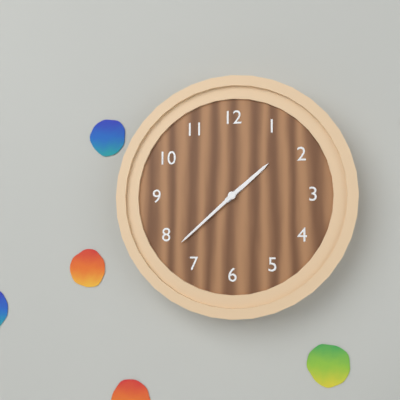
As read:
**1:38**
